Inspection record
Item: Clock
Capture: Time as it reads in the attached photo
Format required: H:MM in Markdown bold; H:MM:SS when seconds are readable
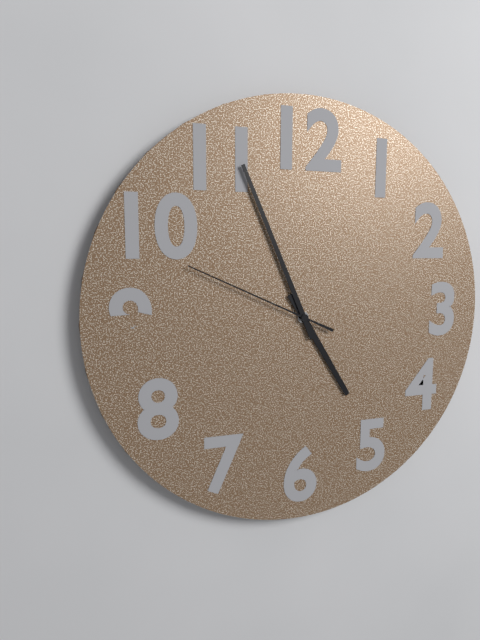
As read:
**4:56:49**
